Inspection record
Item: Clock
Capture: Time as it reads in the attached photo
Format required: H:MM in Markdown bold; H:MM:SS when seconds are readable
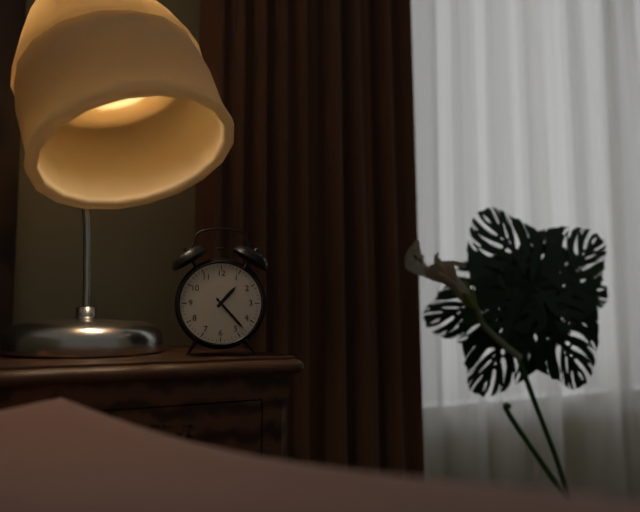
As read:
**1:23**
